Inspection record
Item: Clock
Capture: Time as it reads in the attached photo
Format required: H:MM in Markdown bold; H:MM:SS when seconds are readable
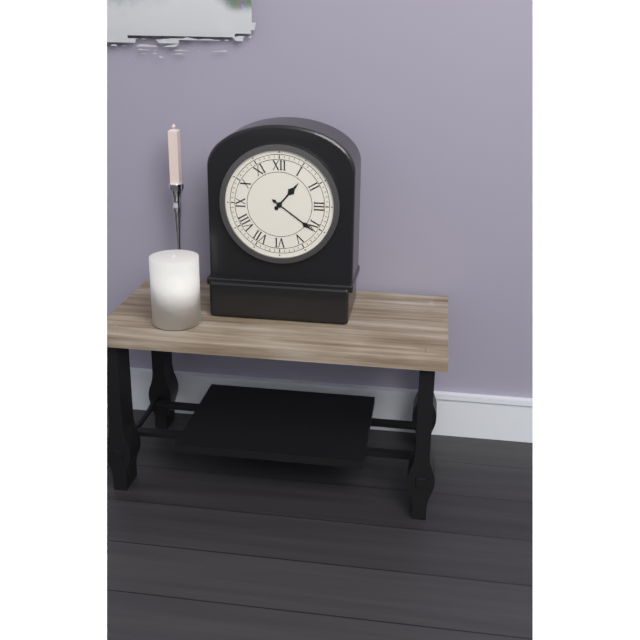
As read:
**1:21**
